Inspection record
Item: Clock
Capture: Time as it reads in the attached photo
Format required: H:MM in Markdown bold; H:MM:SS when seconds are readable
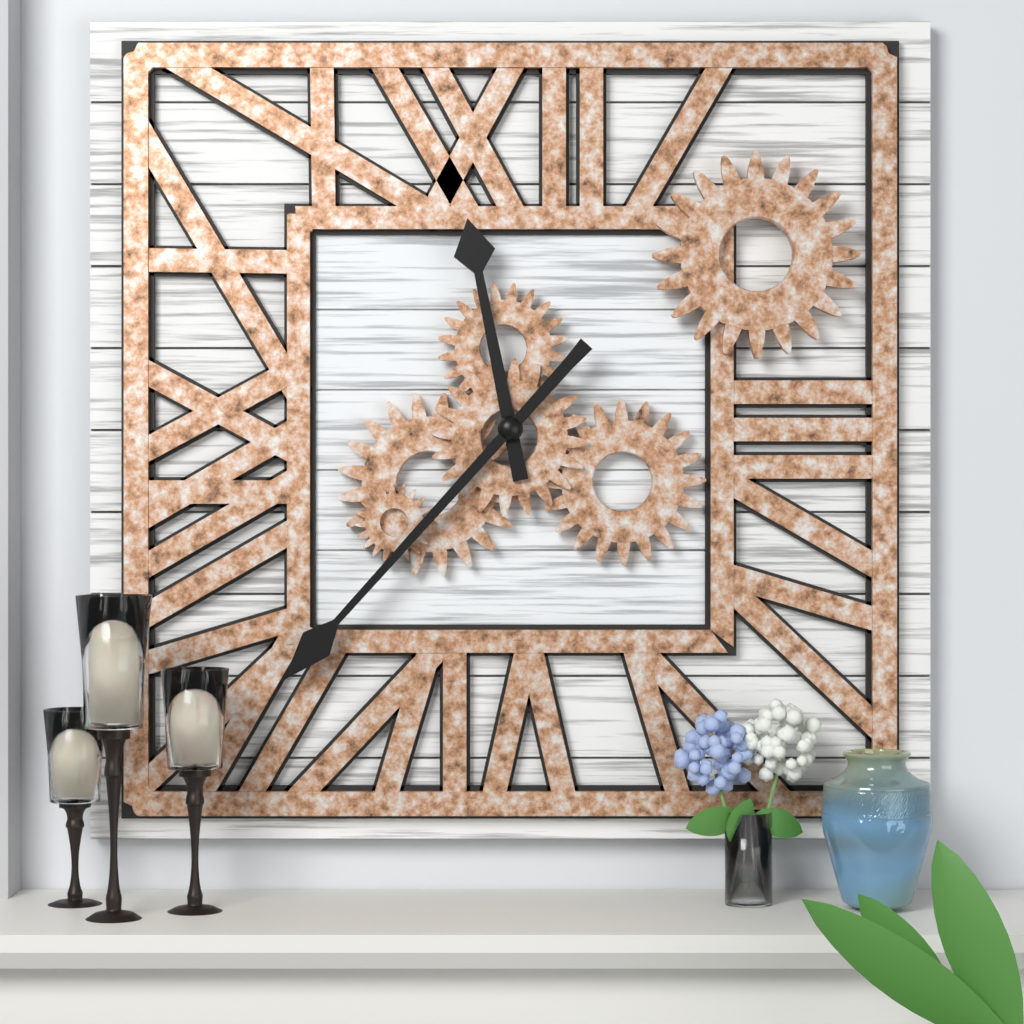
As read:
**11:37**
